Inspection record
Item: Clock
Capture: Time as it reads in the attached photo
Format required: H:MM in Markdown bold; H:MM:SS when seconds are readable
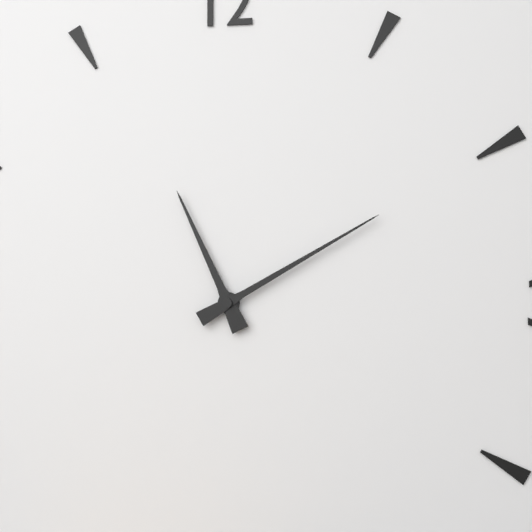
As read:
**11:10**
